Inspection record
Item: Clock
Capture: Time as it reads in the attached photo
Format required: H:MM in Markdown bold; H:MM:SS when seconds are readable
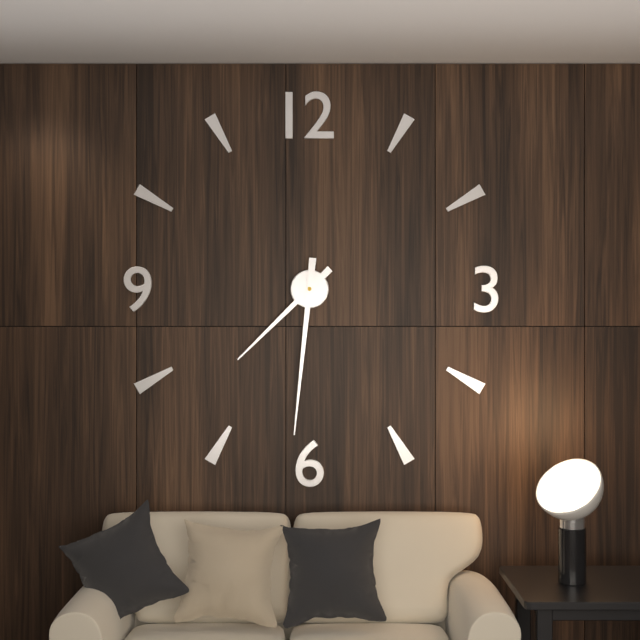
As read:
**7:31**
